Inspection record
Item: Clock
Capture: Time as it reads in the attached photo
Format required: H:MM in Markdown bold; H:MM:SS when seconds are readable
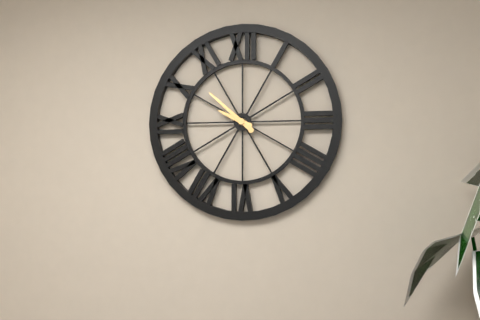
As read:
**9:52**
